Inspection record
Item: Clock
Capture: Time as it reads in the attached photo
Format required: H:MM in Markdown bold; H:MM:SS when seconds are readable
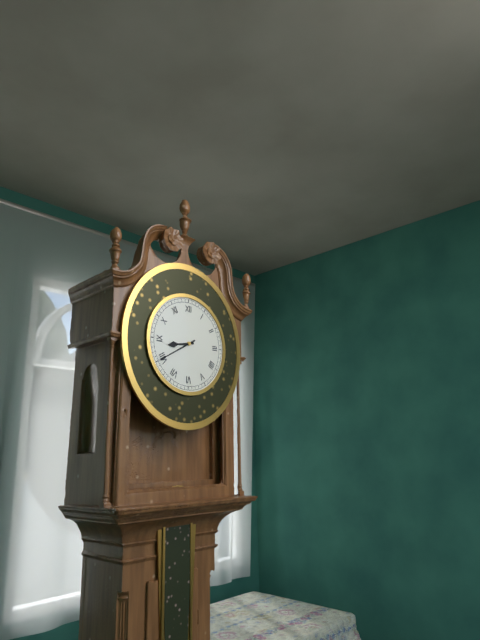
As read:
**8:40**
